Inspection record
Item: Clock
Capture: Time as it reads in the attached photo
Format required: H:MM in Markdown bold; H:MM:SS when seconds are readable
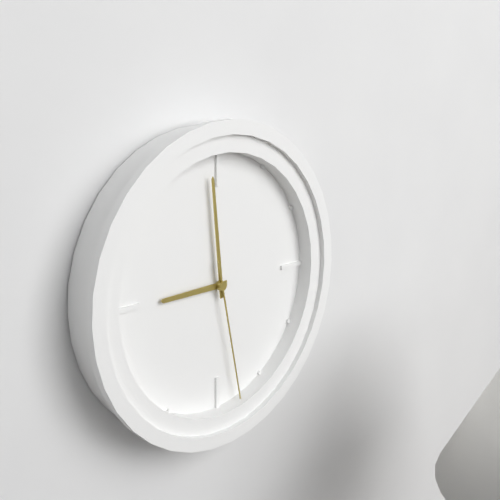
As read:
**8:59:28**
